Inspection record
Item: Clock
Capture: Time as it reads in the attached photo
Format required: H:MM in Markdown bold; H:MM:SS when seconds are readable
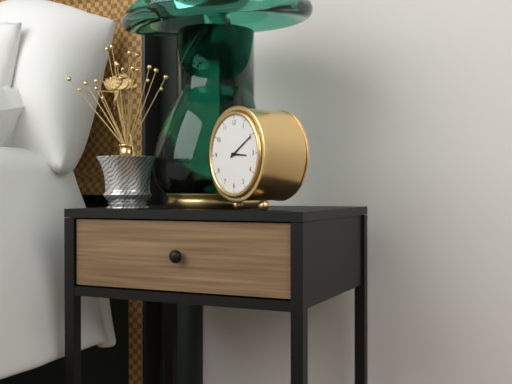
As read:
**3:10**
